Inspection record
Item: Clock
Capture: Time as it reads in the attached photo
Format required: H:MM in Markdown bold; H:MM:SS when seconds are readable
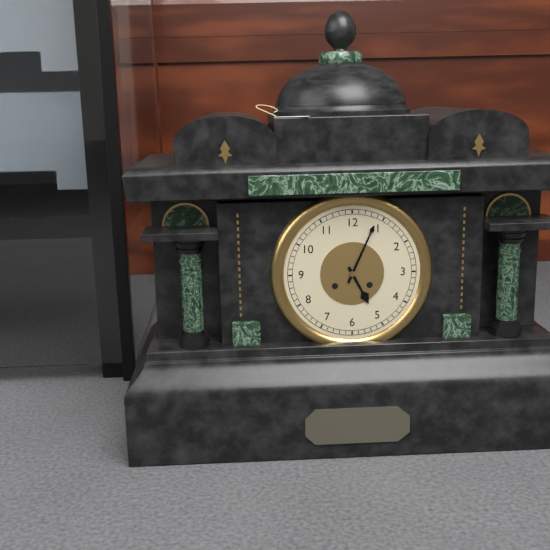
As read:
**5:04**
